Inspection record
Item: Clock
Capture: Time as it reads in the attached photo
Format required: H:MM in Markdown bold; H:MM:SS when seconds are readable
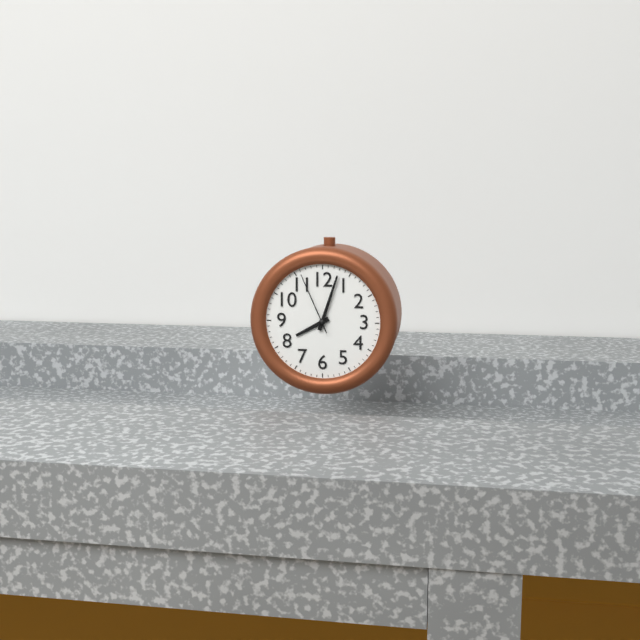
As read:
**8:03:56**
